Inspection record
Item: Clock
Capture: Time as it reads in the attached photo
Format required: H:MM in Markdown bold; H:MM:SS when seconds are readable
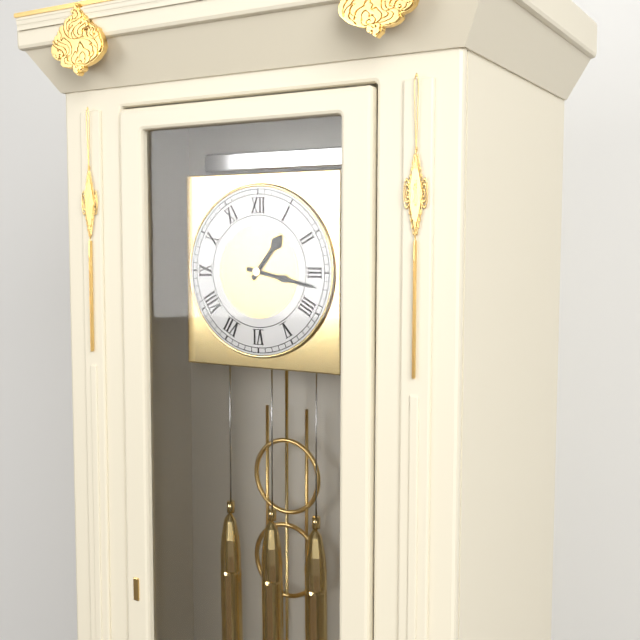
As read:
**1:17**
